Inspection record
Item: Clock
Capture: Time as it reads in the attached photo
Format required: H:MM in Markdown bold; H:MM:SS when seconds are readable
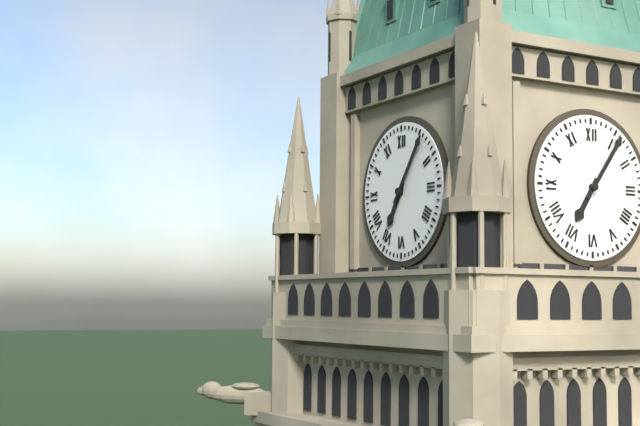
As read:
**7:06**
